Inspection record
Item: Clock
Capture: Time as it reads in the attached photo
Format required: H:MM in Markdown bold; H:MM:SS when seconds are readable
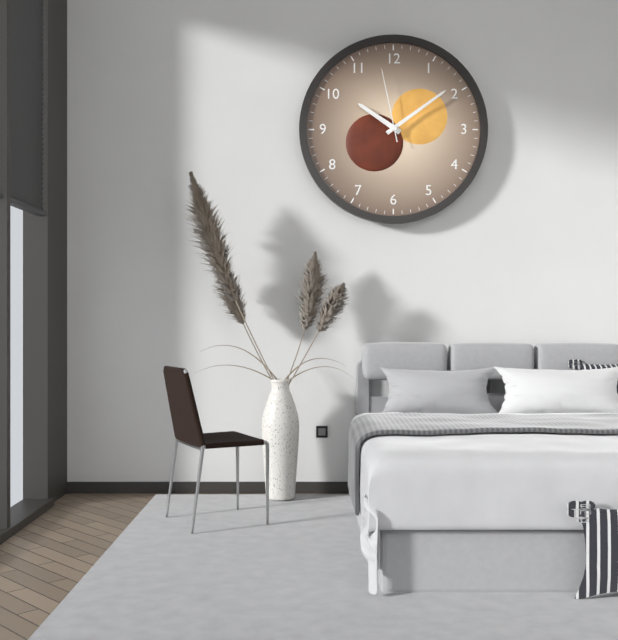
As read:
**10:09:58**
